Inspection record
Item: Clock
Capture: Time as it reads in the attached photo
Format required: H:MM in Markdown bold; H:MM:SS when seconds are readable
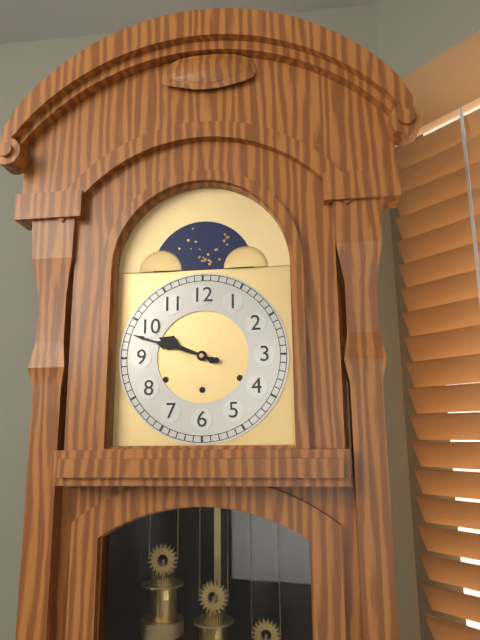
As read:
**9:48**
